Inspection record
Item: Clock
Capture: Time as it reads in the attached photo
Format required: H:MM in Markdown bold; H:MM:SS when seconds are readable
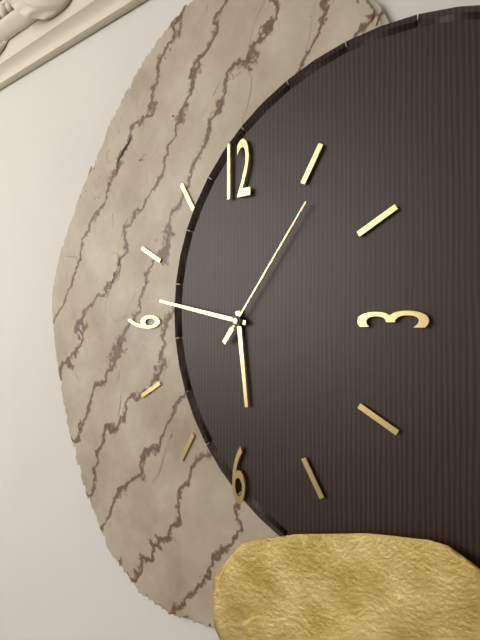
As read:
**5:47:06**
